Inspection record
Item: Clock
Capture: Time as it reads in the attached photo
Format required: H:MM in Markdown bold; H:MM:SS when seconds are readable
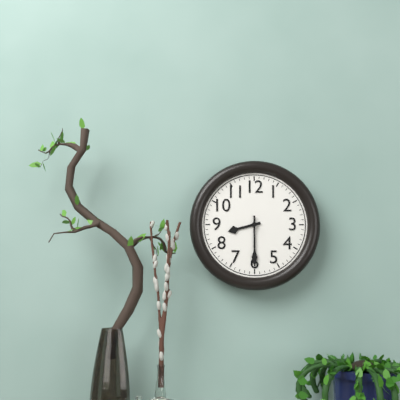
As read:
**8:30**
